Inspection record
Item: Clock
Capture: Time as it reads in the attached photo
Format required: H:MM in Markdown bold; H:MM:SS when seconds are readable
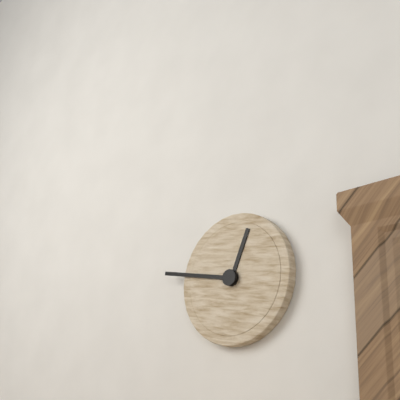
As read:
**12:47**
